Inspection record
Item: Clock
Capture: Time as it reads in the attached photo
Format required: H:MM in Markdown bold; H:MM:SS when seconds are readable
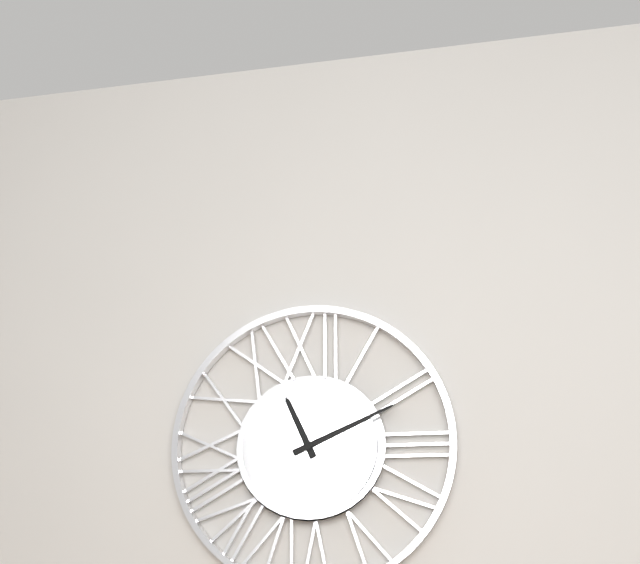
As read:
**11:11**
